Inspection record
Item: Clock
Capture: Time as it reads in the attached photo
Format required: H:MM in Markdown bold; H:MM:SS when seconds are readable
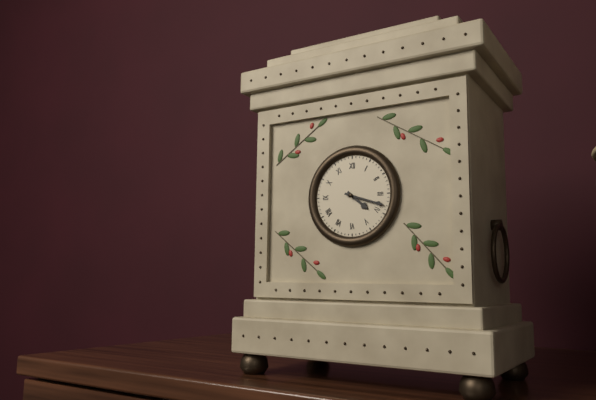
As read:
**4:18**
